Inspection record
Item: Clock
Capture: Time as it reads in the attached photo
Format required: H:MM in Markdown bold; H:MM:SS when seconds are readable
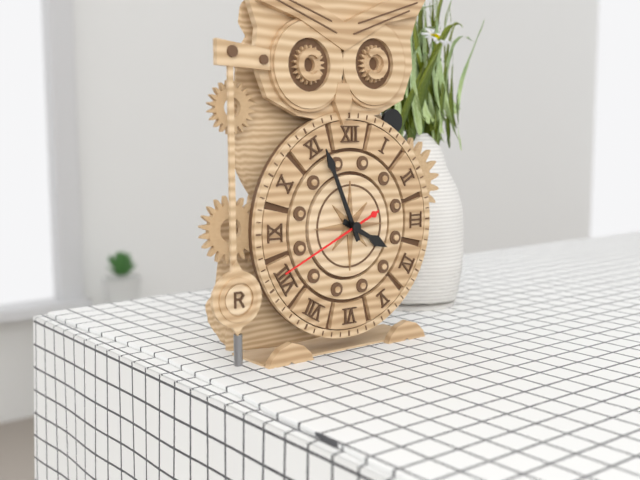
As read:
**3:56:41**
